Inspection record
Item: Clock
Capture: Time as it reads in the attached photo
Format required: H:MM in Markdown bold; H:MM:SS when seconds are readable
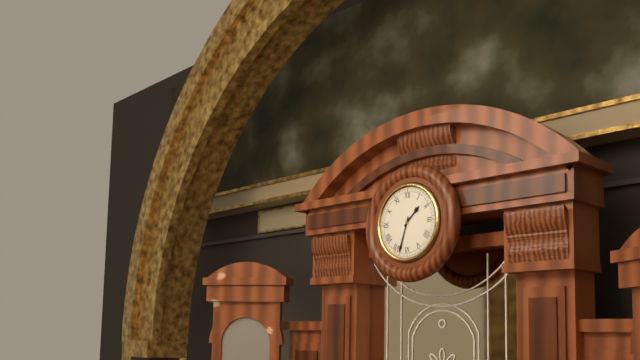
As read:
**1:33**
